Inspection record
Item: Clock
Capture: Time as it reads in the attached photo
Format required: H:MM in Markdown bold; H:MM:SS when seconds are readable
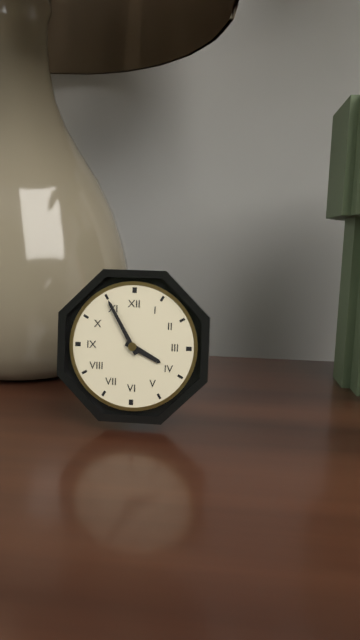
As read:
**3:55**
